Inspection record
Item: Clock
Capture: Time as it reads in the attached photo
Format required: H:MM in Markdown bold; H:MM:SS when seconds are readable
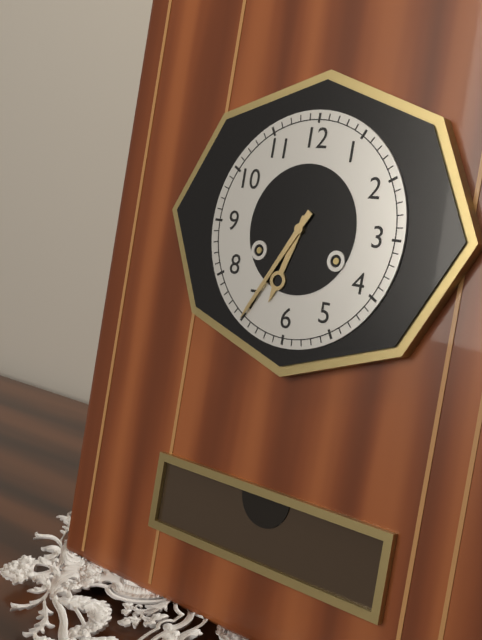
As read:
**6:35**
